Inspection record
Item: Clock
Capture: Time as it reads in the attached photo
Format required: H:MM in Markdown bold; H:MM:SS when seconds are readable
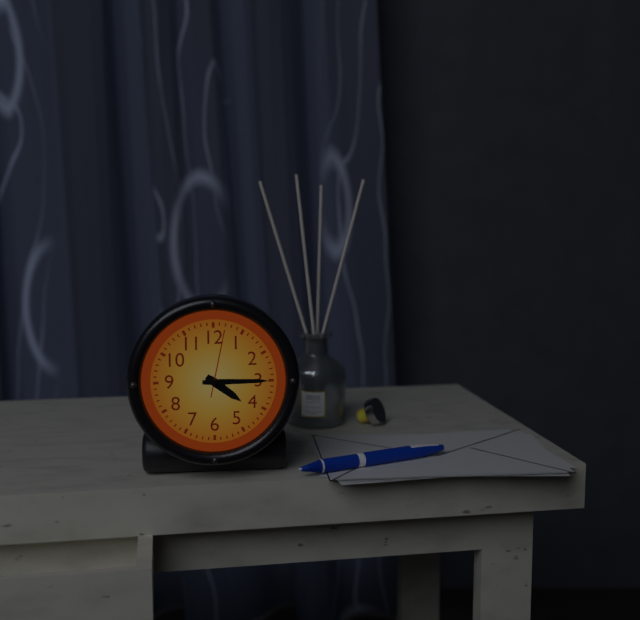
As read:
**4:15:02**
